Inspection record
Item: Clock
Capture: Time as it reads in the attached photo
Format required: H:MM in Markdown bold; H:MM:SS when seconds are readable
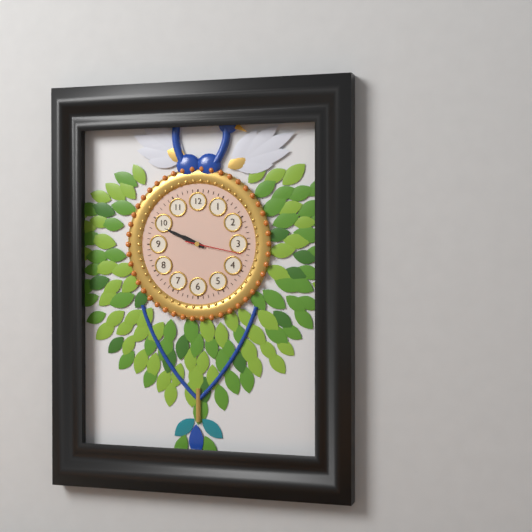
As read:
**9:49:17**
